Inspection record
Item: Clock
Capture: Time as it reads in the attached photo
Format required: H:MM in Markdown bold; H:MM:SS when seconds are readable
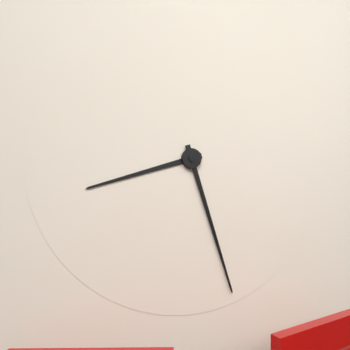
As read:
**8:27**
